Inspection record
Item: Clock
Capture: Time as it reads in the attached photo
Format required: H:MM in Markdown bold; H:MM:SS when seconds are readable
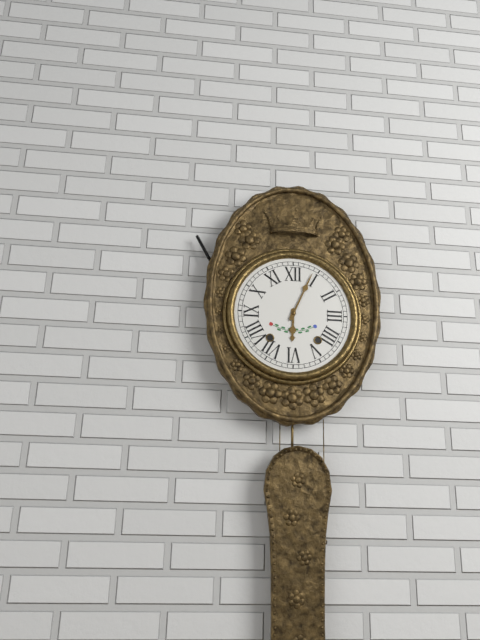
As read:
**6:04**
